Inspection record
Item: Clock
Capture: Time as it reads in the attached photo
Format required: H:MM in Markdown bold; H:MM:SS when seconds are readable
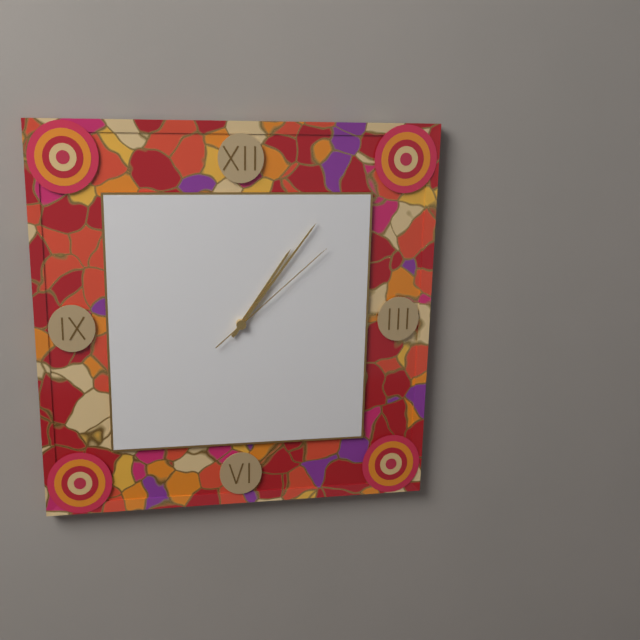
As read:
**1:06:08**
